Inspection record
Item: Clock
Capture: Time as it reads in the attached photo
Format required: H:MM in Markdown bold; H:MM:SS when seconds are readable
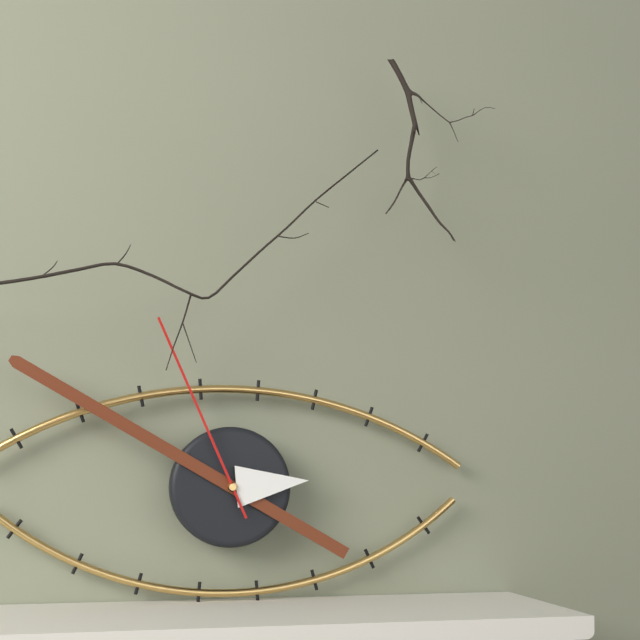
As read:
**2:50:56**
